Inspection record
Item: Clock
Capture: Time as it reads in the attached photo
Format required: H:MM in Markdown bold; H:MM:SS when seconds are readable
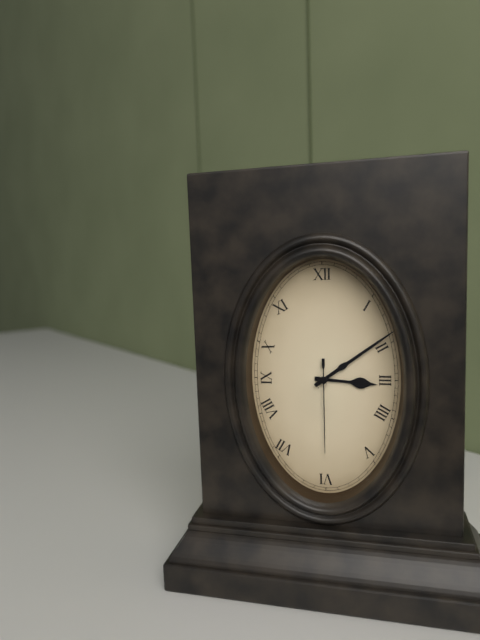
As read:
**3:09:30**
